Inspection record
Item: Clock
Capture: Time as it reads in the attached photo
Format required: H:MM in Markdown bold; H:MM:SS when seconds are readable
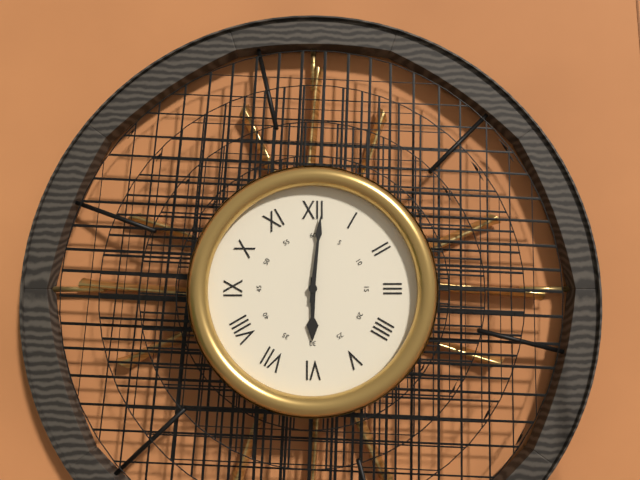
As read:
**6:01**
